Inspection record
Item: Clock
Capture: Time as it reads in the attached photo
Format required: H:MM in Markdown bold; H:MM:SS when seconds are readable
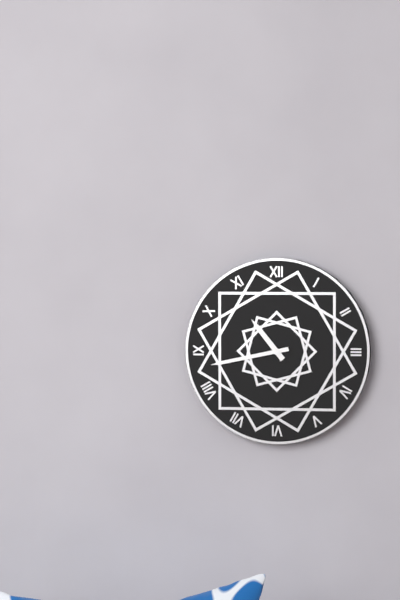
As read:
**10:43**
